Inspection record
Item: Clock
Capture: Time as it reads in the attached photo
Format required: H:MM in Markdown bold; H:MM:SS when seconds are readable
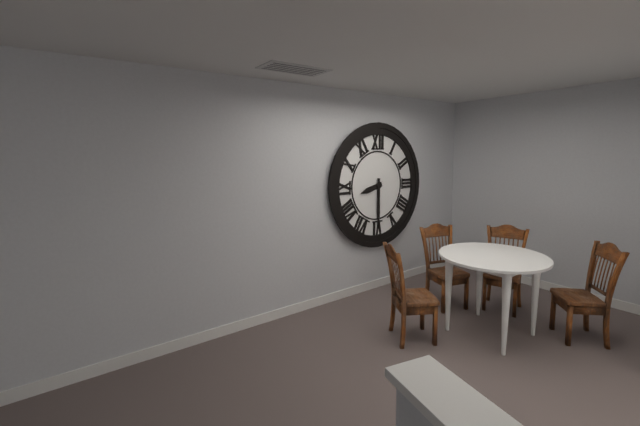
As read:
**8:30**
